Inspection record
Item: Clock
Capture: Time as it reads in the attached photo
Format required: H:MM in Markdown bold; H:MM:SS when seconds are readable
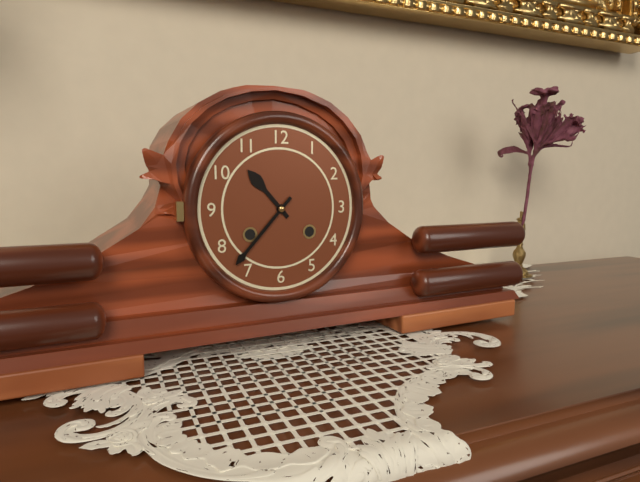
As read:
**10:37**
